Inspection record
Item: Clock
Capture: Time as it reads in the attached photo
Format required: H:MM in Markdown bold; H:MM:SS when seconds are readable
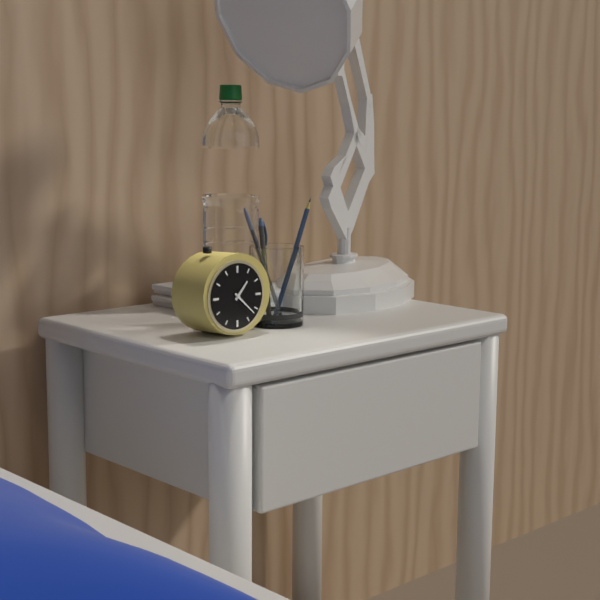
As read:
**1:22**
